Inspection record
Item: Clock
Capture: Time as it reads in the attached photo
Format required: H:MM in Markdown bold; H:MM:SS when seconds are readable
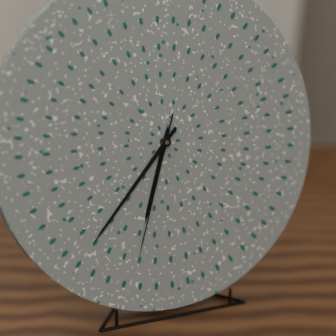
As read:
**6:37:33**
